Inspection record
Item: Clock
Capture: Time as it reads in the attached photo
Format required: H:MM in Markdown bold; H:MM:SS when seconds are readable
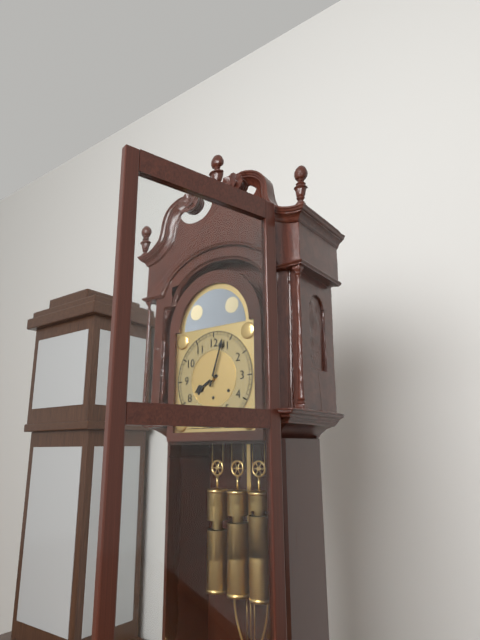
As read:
**8:03**
